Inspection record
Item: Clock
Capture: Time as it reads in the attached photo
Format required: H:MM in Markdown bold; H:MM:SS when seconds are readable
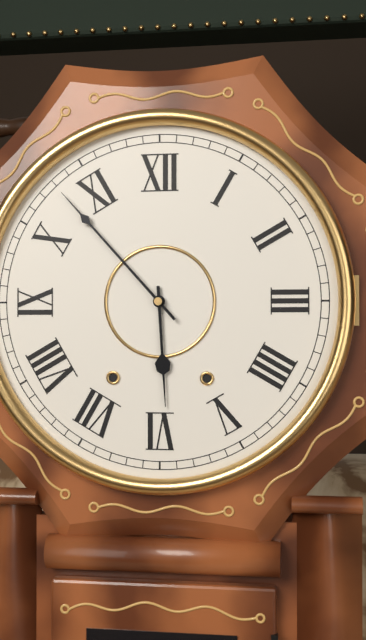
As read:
**5:53**
